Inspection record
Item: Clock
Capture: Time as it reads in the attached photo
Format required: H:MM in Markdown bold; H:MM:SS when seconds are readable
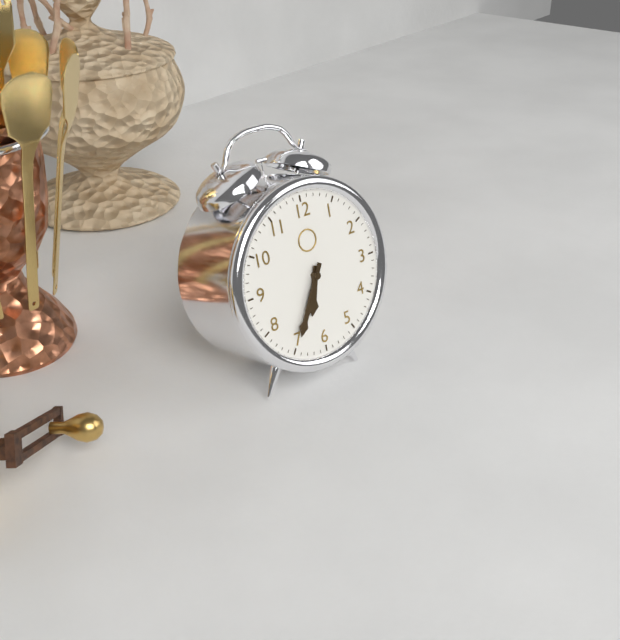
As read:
**6:35**
